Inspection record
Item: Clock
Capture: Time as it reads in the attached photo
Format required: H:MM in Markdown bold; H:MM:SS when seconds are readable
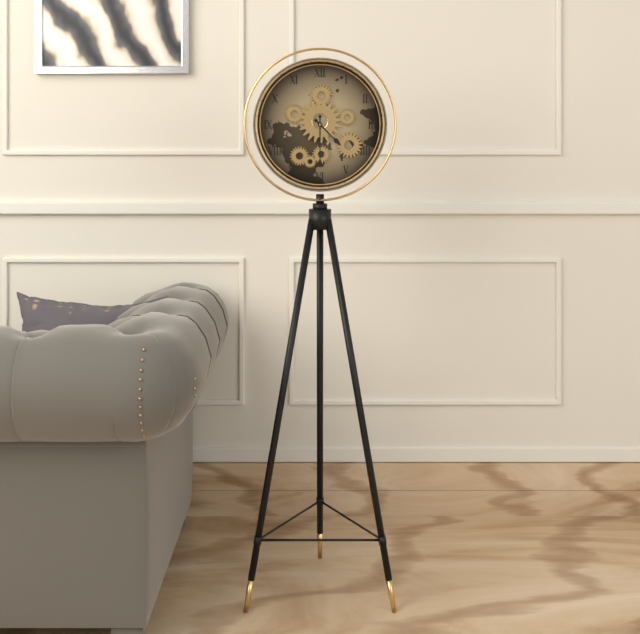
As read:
**4:30**
